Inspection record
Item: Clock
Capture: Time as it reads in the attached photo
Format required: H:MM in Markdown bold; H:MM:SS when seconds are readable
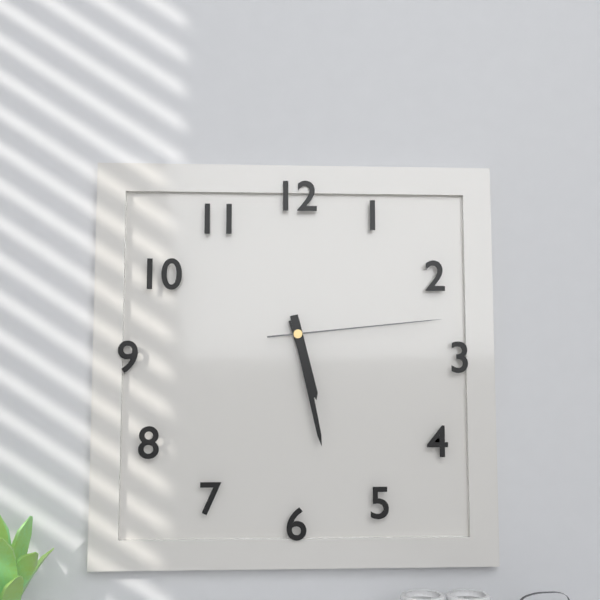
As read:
**5:28:14**
